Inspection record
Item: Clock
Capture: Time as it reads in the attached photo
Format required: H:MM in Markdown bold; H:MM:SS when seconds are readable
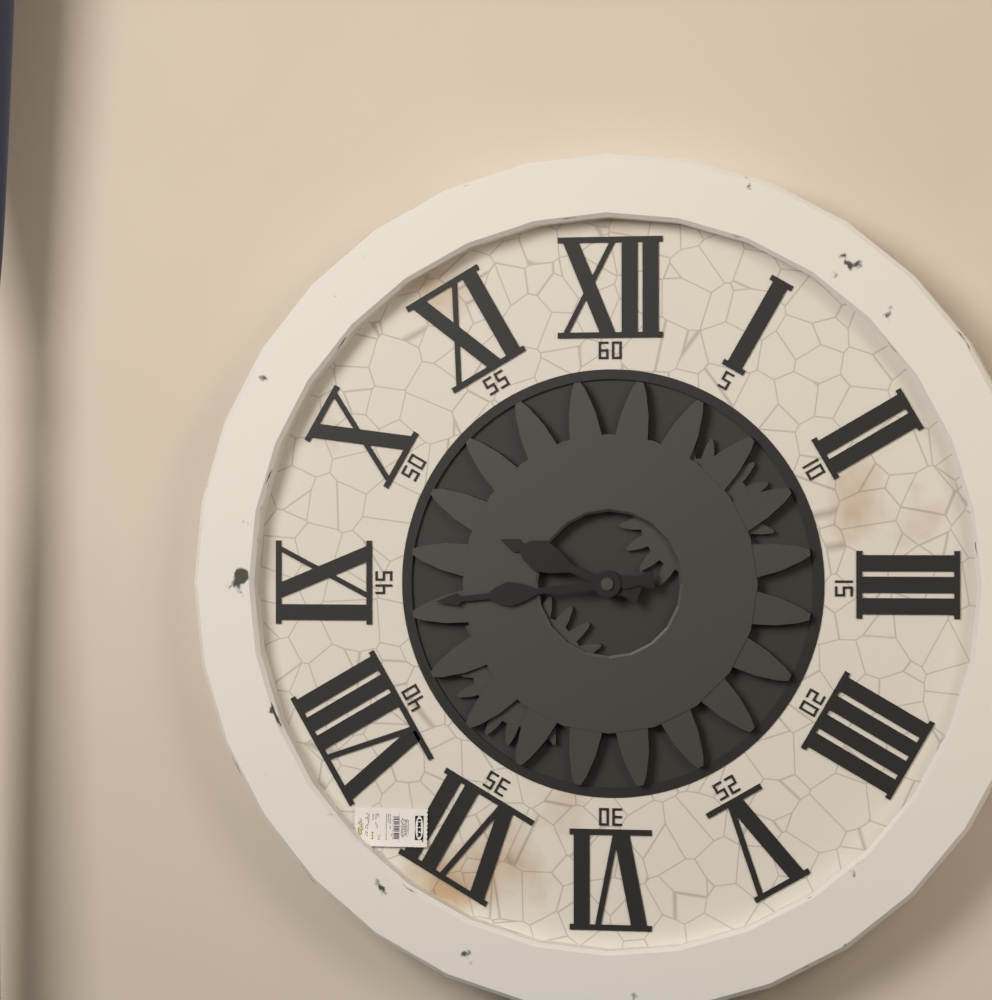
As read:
**9:44**
